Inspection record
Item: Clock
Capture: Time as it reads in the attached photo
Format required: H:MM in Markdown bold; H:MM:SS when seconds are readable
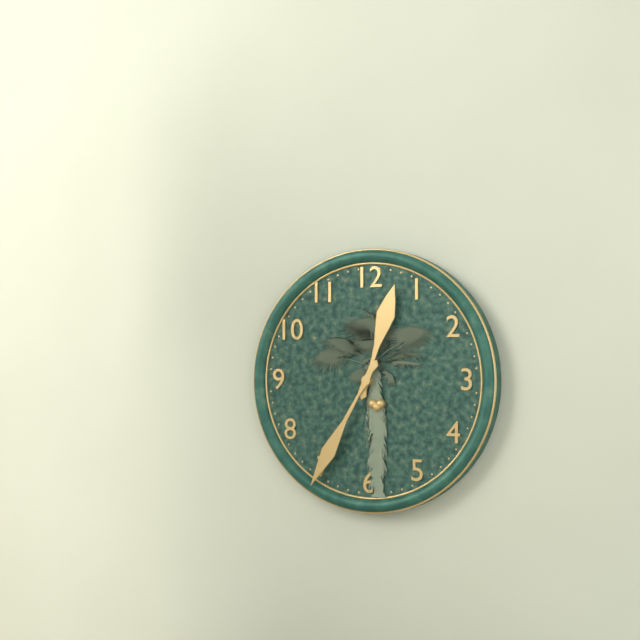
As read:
**12:35**
